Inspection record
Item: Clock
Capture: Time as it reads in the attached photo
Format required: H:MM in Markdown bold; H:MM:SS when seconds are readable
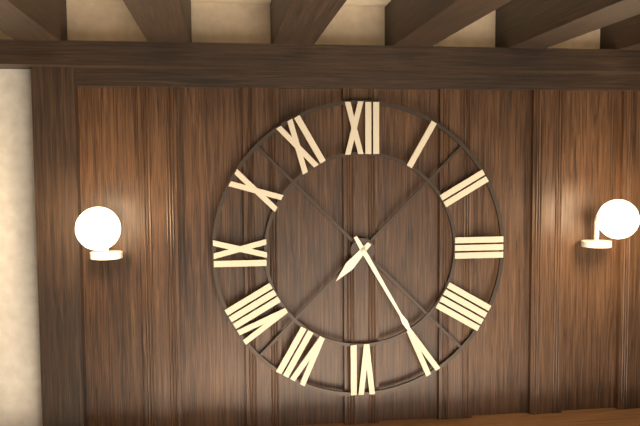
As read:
**7:25**
